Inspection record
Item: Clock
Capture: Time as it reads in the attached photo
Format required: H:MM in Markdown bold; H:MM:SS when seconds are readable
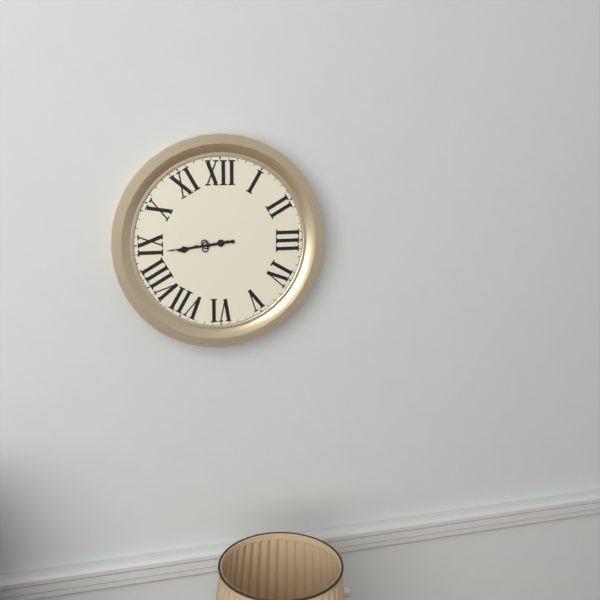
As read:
**8:44**
